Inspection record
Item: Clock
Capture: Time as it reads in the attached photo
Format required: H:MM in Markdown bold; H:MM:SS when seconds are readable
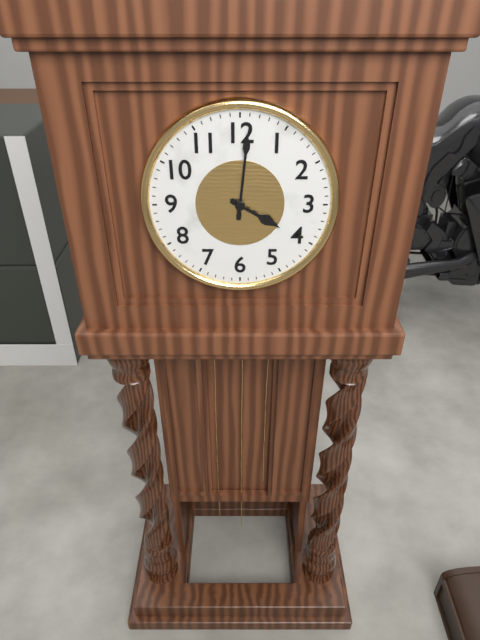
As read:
**4:01**
